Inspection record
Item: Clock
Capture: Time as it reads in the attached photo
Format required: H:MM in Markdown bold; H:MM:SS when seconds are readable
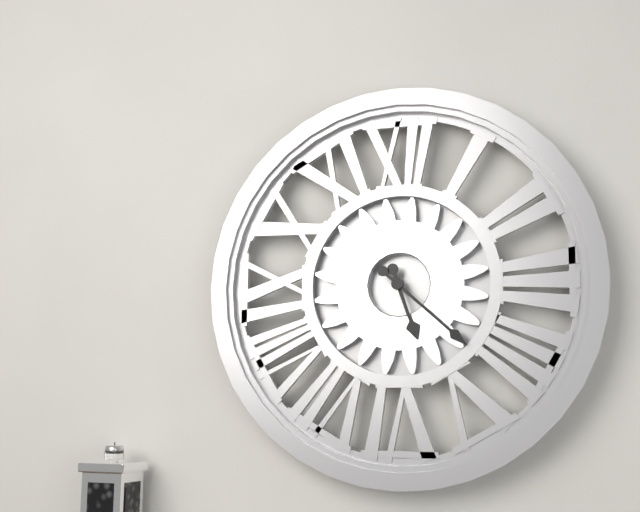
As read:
**5:22**
